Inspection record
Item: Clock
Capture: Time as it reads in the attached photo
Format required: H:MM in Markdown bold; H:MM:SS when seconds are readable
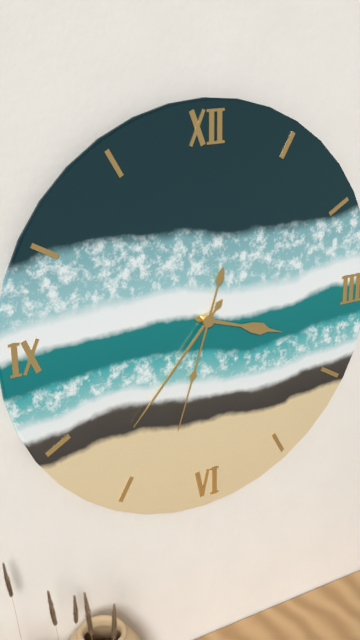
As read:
**3:37:33**
